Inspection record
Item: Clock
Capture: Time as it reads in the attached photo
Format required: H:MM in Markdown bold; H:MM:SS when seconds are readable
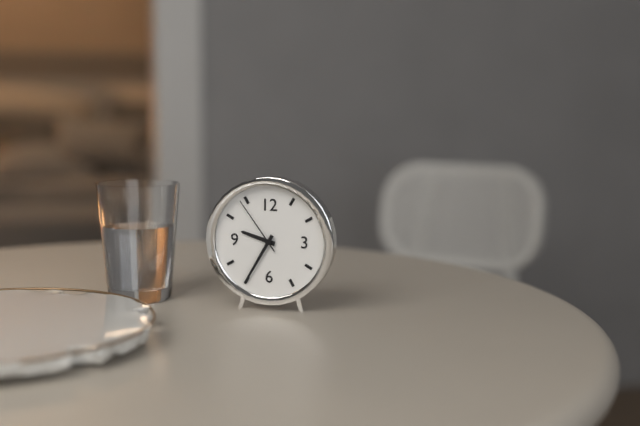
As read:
**9:35:54**
